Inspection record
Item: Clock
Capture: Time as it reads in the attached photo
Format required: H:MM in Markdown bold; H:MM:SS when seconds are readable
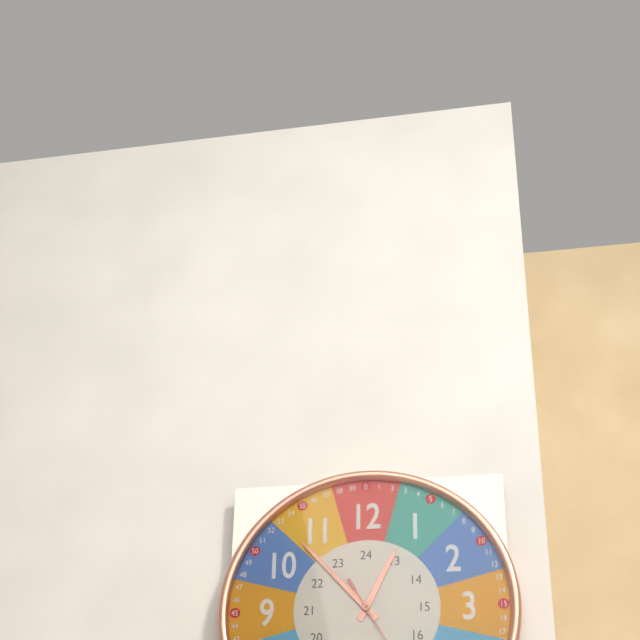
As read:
**12:53**
